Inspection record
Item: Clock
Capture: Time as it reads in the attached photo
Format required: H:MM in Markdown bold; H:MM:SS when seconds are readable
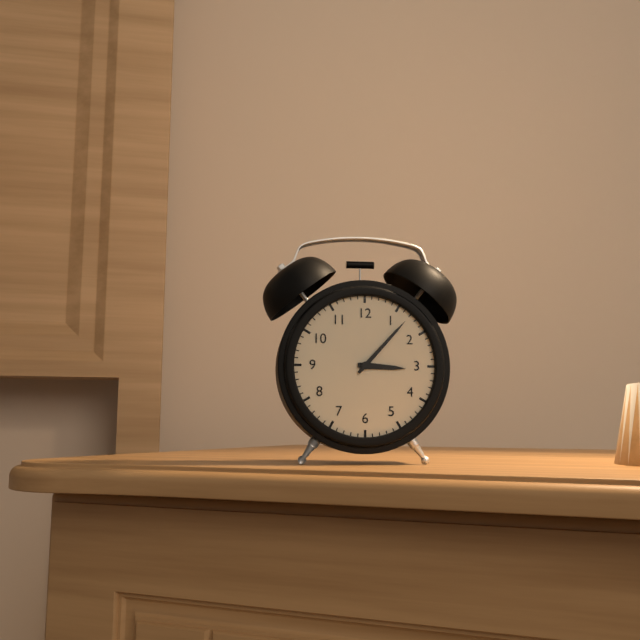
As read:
**3:07**
